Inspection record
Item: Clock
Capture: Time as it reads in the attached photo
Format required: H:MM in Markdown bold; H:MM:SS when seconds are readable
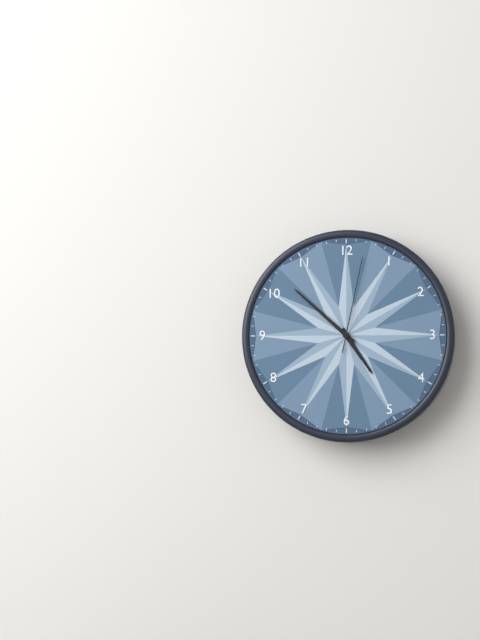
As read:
**4:52:02**
